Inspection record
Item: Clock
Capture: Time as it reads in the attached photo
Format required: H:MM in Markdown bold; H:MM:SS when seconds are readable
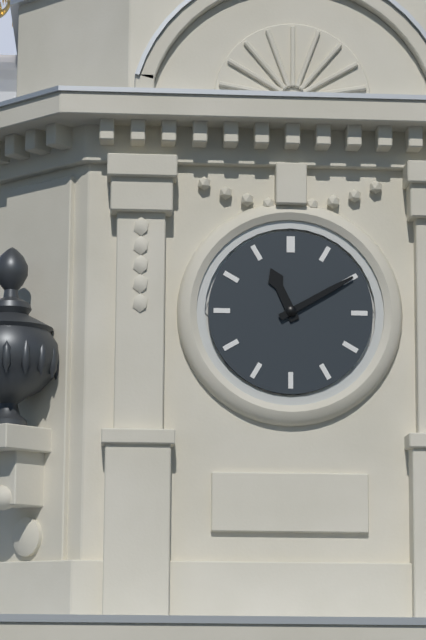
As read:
**11:10**
